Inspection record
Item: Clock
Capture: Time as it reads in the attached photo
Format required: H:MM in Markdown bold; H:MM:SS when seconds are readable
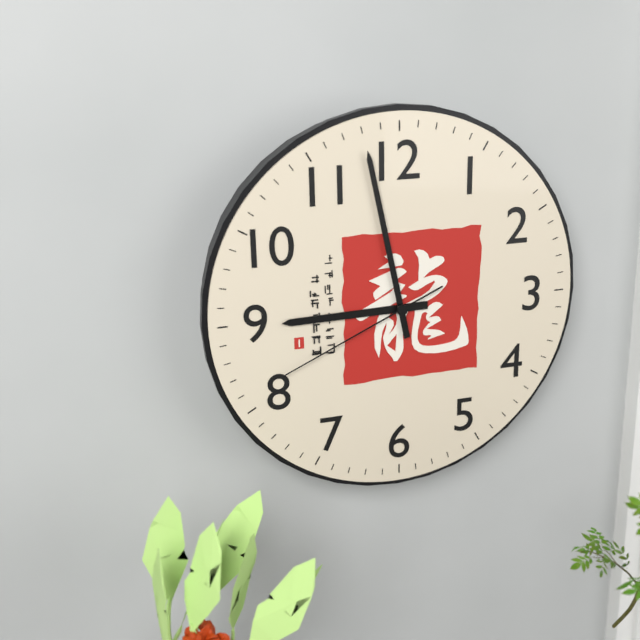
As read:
**8:58:41**
